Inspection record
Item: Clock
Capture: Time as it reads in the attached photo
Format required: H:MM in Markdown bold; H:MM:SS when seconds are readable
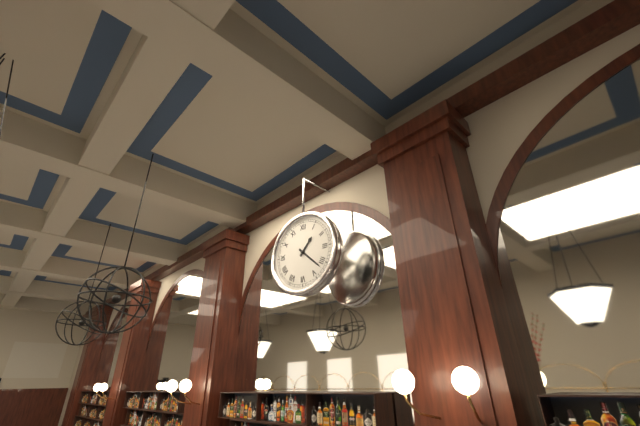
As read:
**1:22**
